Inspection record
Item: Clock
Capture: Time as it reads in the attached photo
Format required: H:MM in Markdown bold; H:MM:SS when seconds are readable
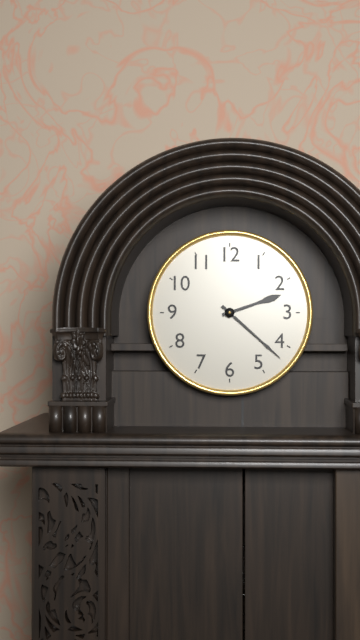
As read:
**2:22**
